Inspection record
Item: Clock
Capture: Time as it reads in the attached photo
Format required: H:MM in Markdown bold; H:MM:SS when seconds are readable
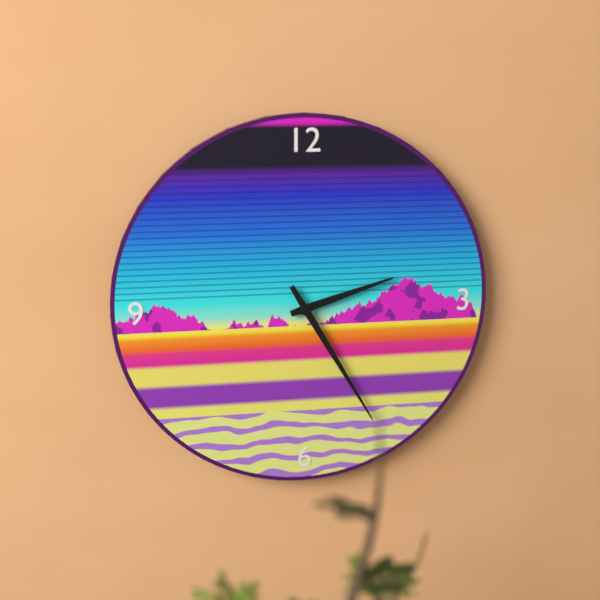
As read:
**2:25**
